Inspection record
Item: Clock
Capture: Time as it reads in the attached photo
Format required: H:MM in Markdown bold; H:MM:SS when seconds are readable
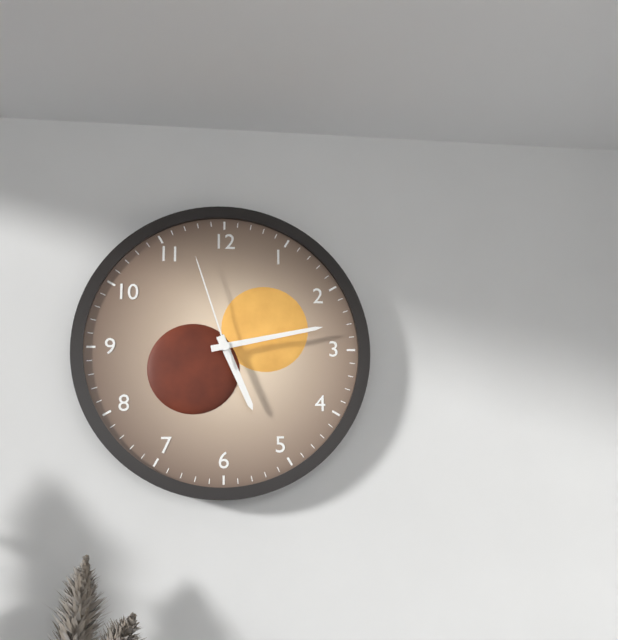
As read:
**5:13:57**
